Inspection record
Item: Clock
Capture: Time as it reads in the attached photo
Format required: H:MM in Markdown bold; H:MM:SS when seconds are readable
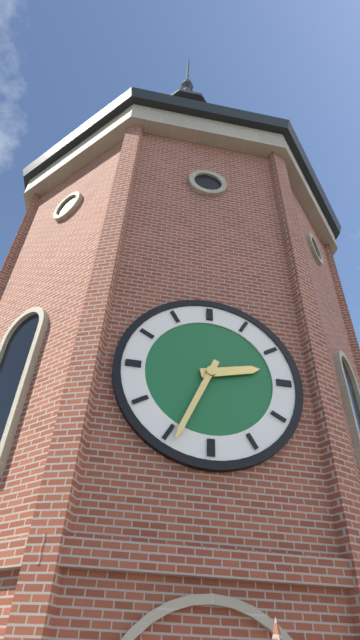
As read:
**2:34**
